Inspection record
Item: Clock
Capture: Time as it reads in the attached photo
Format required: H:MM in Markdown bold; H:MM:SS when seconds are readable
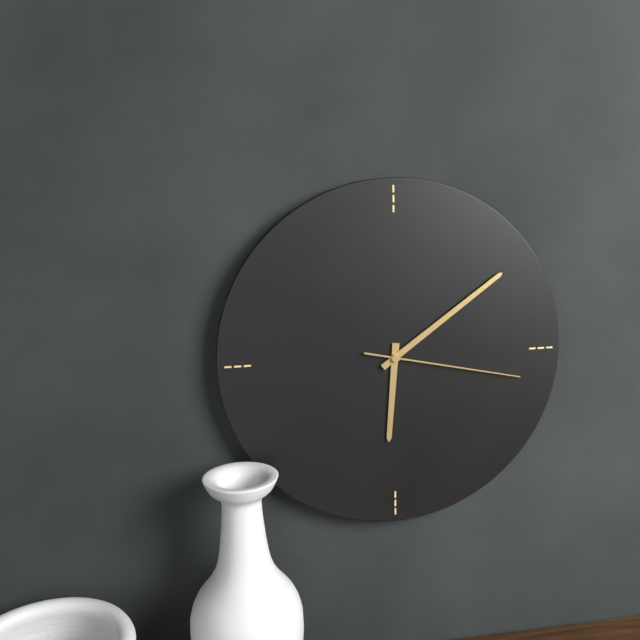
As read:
**6:09:17**
